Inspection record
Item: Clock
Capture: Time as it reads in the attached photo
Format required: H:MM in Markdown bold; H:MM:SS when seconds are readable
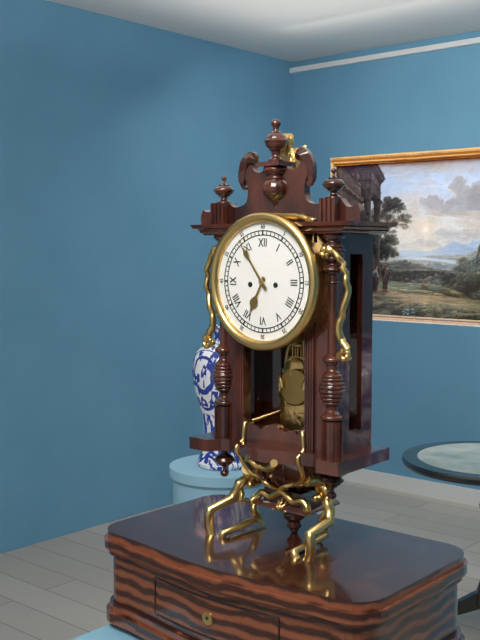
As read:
**6:54**
